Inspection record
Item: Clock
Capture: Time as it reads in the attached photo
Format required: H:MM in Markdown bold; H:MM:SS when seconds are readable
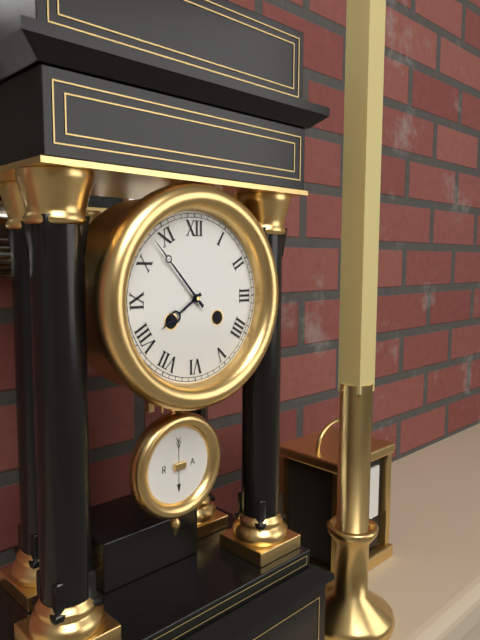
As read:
**7:53**
